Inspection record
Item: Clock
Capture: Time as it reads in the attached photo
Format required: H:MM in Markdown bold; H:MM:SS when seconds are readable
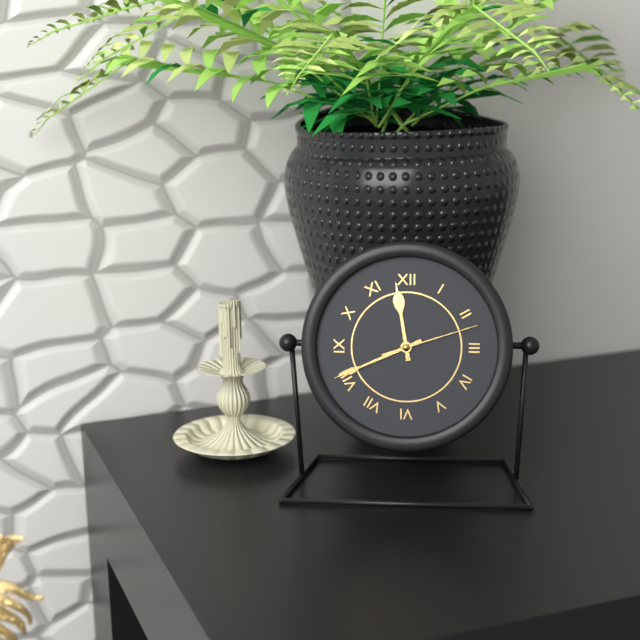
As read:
**11:41:12**
